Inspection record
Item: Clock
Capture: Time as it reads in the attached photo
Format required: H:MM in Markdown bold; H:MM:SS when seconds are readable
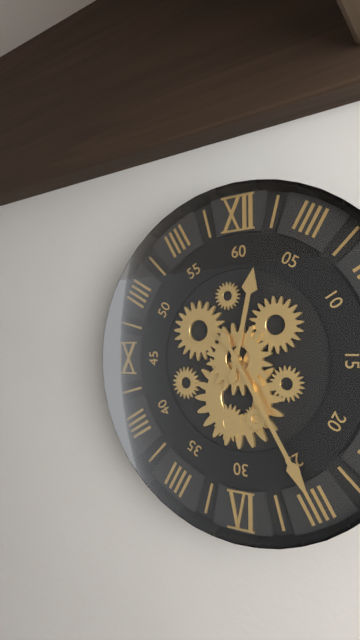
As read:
**12:25**
